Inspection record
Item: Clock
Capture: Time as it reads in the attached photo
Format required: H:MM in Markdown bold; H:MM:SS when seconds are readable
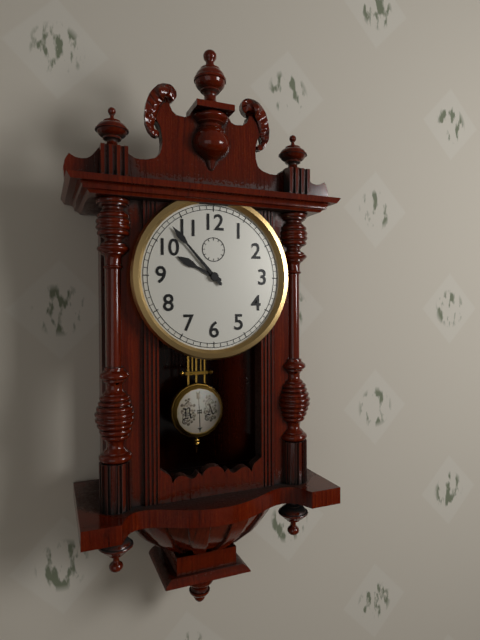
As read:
**9:53**
